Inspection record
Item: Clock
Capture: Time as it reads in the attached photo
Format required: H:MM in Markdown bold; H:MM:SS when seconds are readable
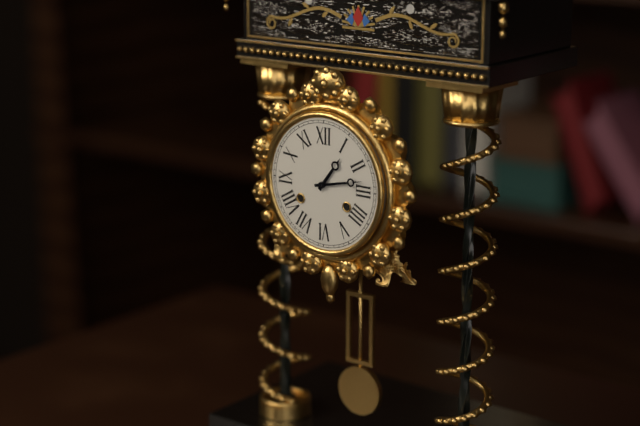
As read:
**1:13**
